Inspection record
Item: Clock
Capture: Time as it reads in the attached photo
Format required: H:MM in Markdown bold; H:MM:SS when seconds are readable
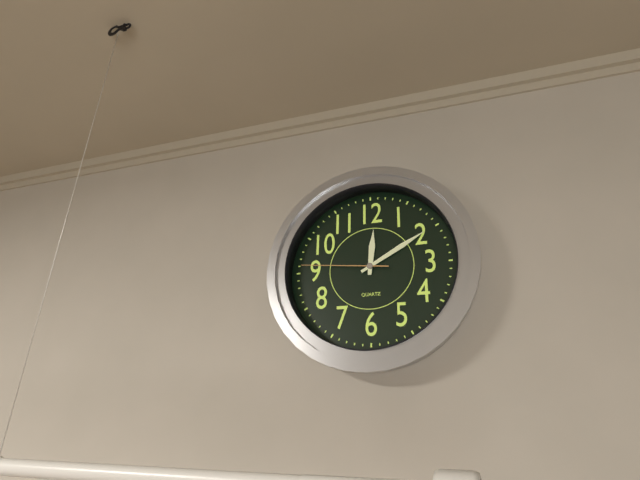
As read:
**12:10:46**
